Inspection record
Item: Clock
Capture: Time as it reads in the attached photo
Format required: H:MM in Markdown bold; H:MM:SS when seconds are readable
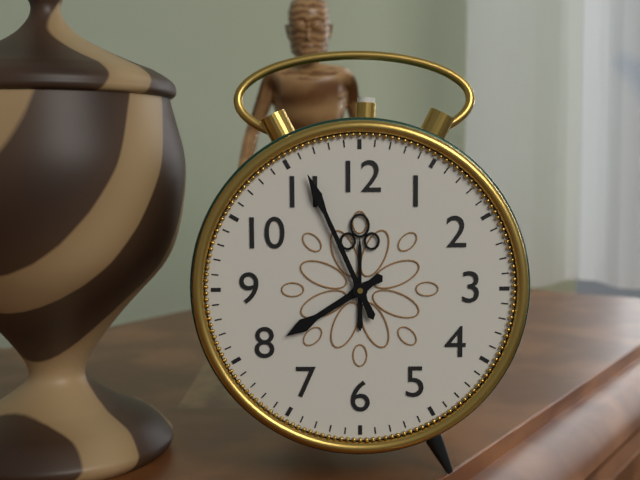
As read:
**7:56**
